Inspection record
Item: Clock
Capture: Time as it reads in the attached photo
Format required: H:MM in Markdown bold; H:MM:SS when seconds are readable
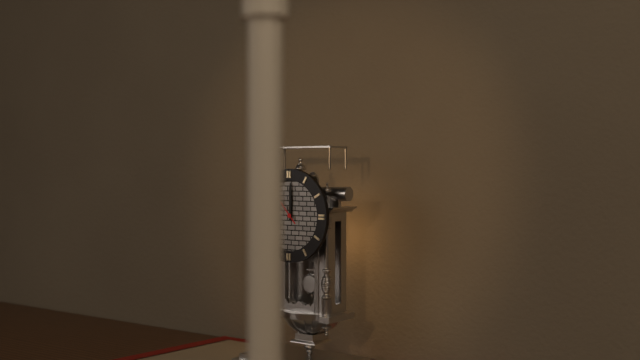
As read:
**12:00**
